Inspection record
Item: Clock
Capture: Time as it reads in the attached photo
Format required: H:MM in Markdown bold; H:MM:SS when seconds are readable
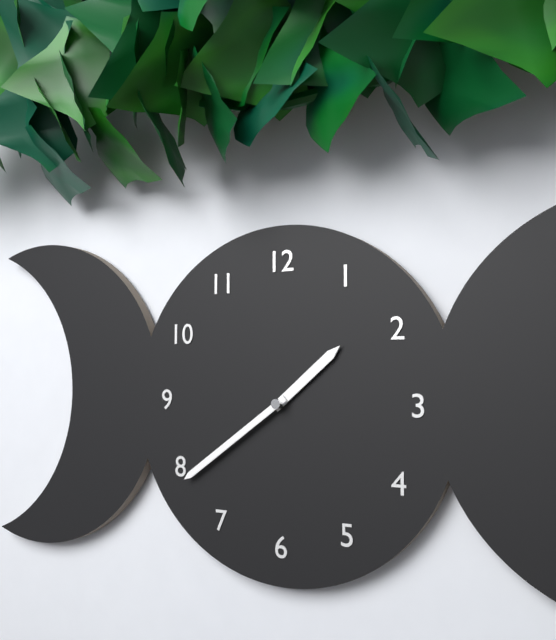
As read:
**1:39**
